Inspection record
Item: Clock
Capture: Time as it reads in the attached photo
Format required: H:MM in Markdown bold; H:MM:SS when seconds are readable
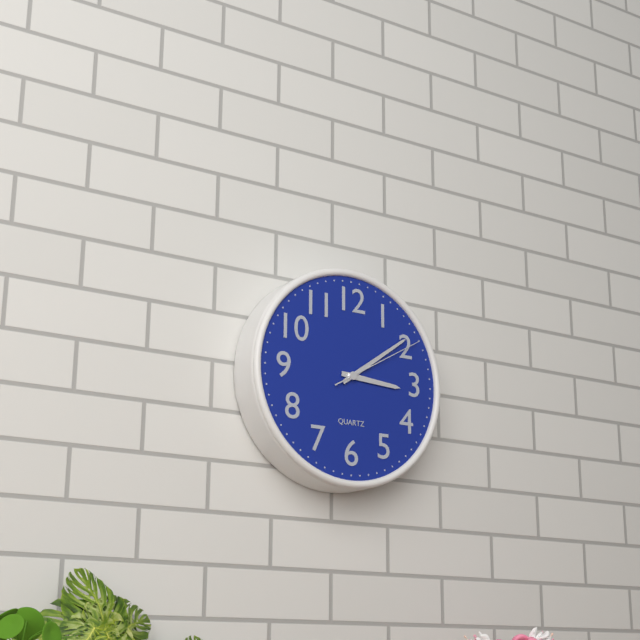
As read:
**3:09:10**
